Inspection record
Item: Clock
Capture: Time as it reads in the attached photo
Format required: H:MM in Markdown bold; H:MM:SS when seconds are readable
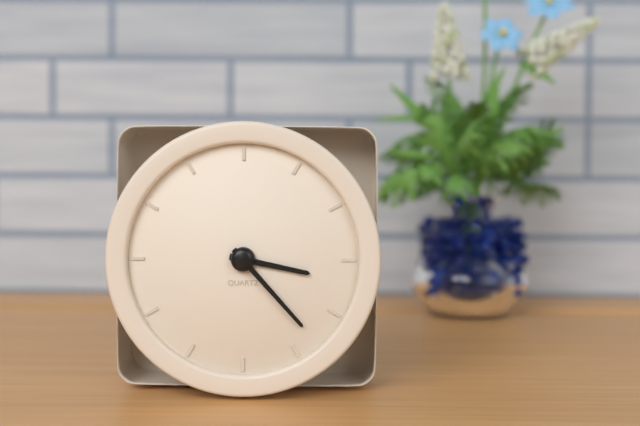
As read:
**3:23**
